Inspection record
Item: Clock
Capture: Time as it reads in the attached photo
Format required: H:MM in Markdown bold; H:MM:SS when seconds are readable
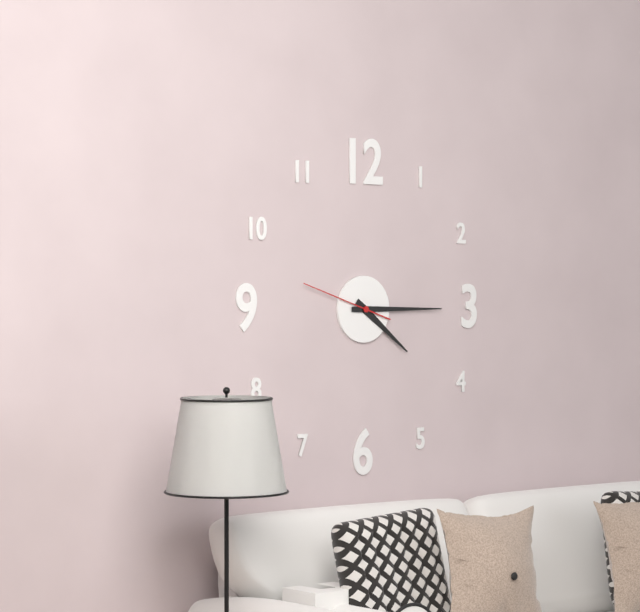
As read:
**4:15:48**
